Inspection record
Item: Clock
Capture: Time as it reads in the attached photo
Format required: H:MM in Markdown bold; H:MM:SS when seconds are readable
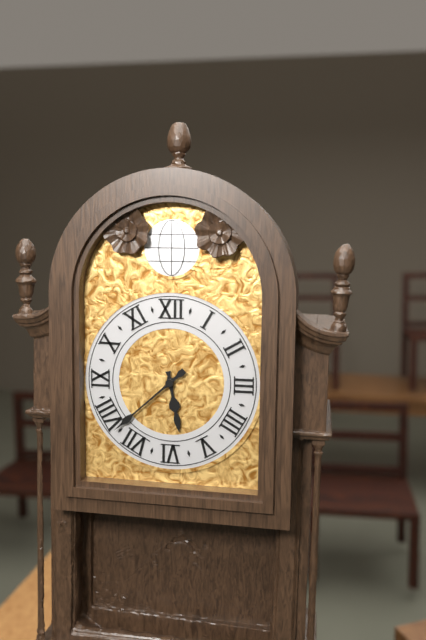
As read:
**5:38**
